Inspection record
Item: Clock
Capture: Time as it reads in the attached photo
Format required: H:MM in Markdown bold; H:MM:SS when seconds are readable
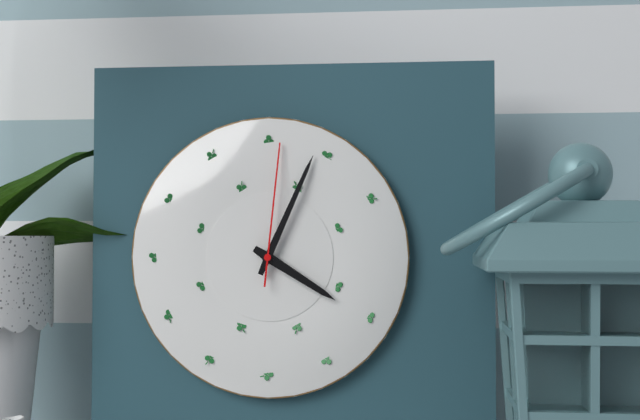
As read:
**4:04:01**
